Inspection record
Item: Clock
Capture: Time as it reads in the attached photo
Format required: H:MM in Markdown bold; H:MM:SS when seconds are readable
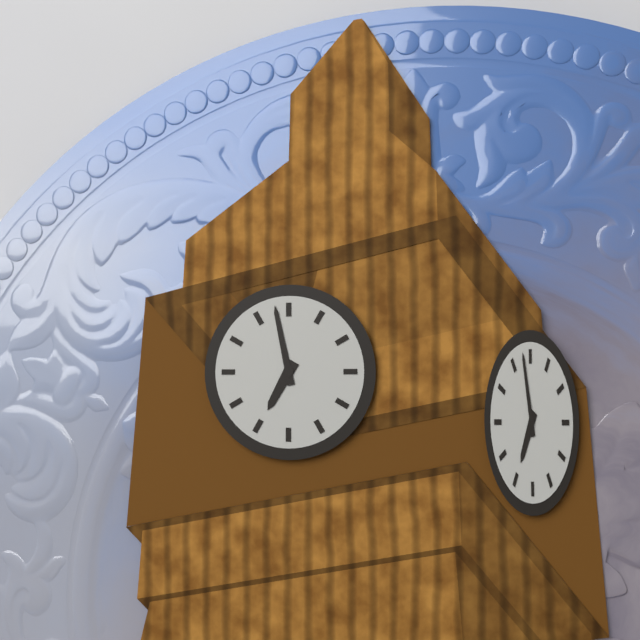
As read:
**6:58**
